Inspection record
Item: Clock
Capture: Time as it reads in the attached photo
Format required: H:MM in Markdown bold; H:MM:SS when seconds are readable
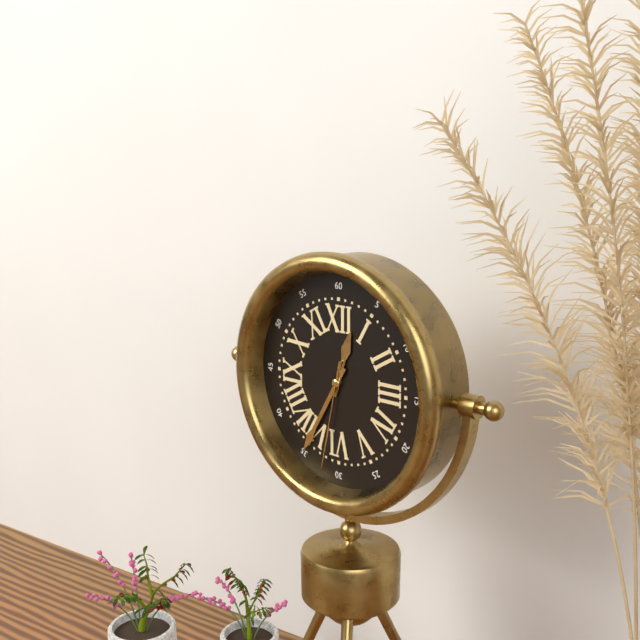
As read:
**12:35:32**
